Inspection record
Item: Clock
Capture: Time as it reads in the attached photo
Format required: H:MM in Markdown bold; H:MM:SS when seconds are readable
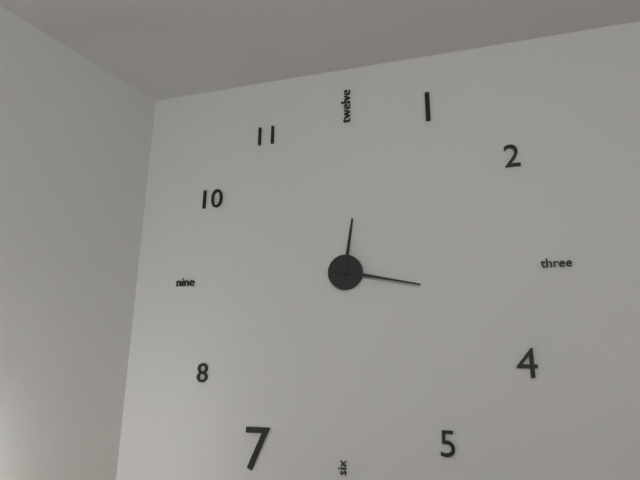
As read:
**12:17**
